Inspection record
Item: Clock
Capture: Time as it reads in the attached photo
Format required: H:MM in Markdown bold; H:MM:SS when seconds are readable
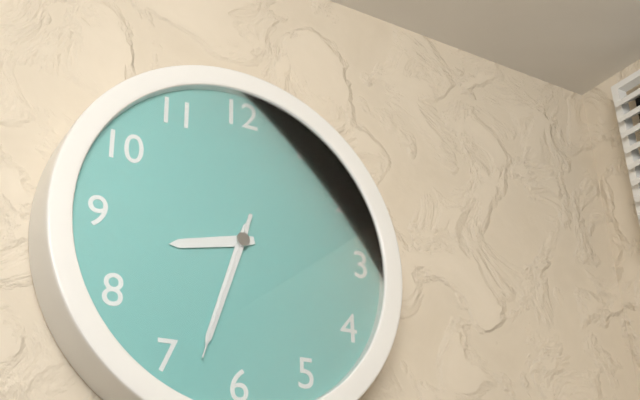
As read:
**8:33:33**
